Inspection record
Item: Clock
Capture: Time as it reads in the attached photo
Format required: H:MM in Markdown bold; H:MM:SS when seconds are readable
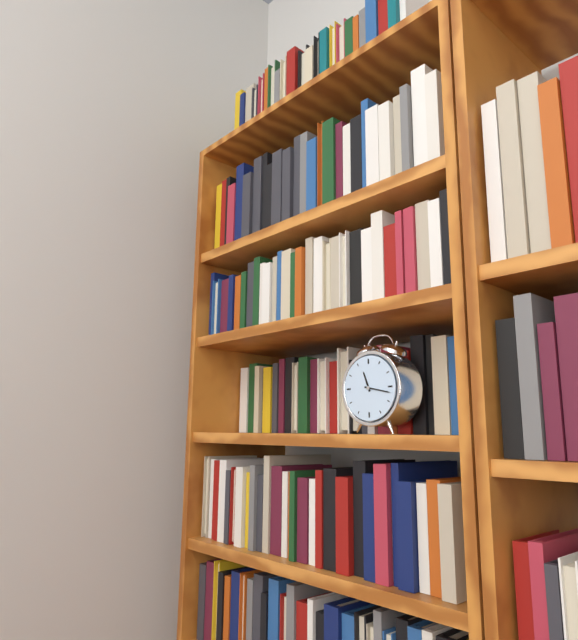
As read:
**11:17**
